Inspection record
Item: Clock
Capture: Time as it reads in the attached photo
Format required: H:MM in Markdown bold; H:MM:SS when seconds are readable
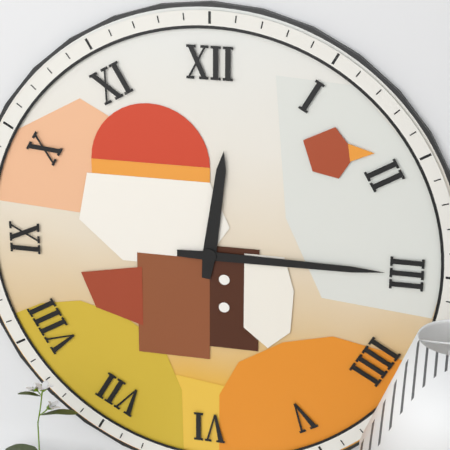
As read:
**12:15**
